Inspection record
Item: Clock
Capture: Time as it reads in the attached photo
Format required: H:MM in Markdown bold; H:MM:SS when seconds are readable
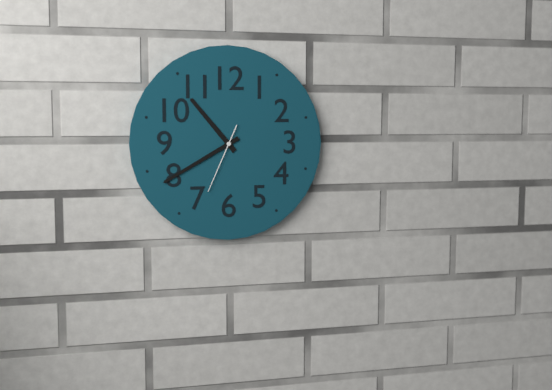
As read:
**10:40:34**
